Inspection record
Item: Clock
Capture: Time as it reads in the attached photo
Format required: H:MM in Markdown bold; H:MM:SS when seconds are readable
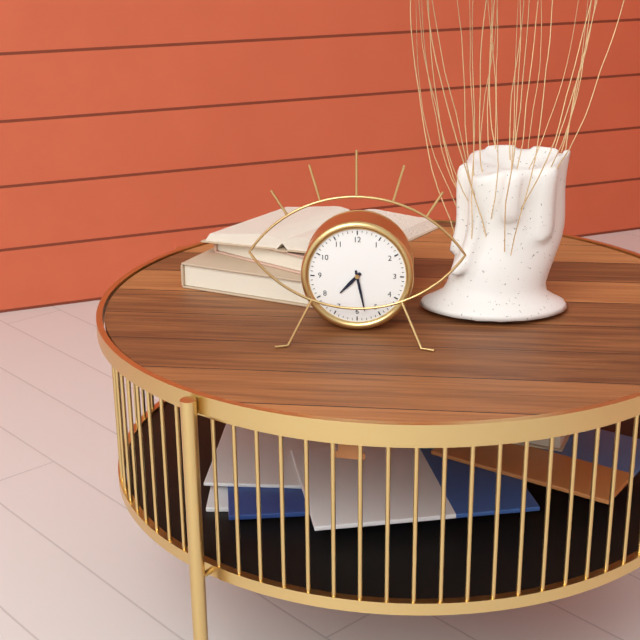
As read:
**7:28**
